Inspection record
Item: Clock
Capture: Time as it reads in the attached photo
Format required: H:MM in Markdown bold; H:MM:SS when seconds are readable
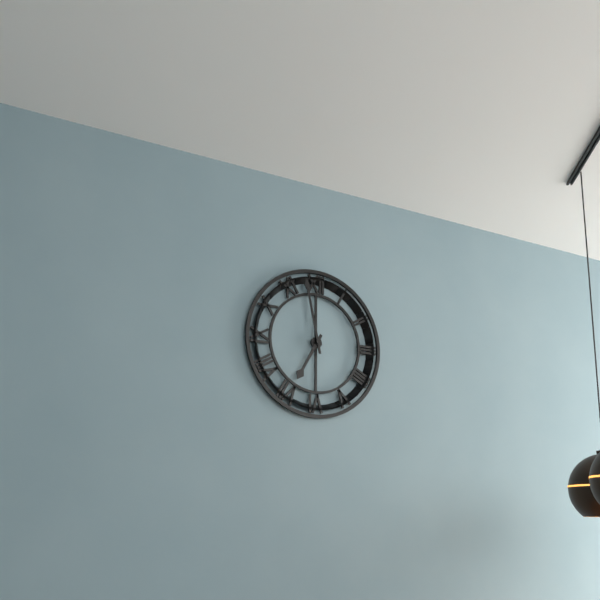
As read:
**6:58**
